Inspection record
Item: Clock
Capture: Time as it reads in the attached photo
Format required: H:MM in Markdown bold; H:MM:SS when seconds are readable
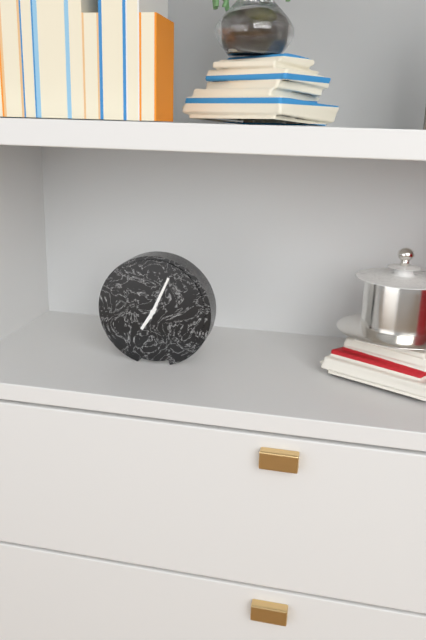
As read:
**7:04**
